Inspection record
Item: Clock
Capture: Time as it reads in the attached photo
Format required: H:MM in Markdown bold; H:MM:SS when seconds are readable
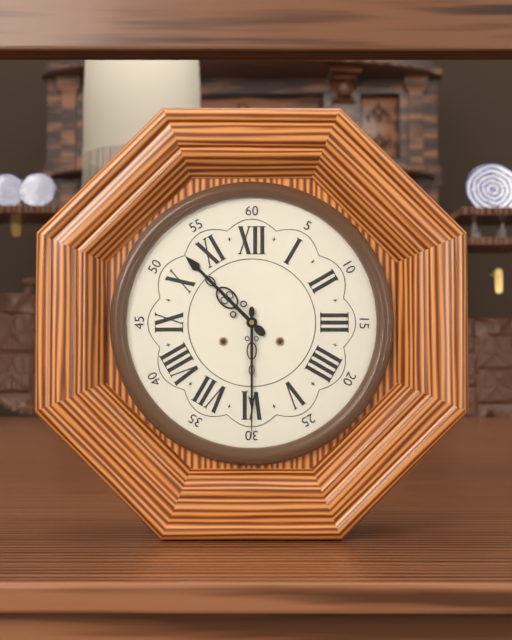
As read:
**10:30**
